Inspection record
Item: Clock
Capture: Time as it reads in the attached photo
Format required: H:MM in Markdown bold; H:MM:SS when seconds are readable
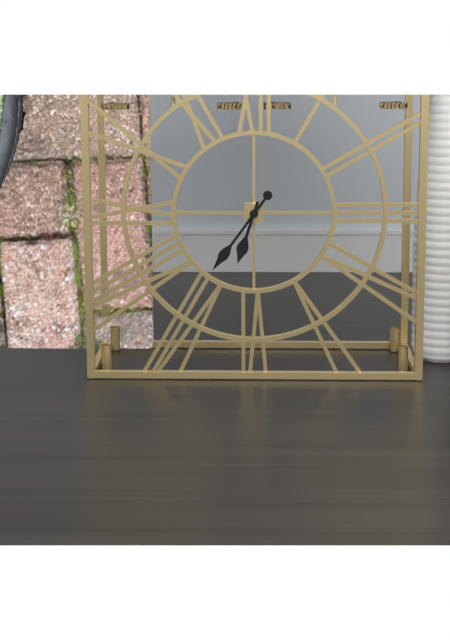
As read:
**6:36**
